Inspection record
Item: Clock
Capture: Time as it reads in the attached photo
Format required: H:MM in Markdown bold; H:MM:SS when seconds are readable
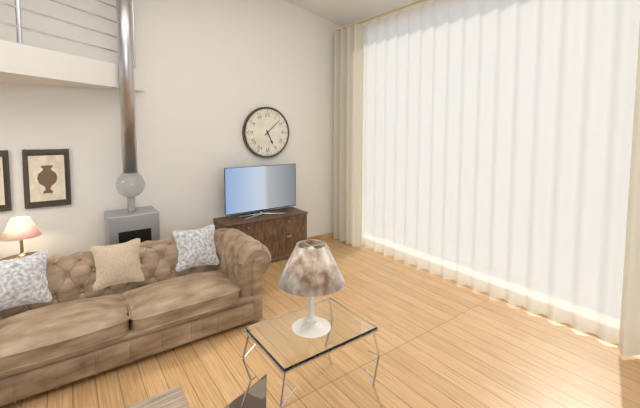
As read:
**5:08**
